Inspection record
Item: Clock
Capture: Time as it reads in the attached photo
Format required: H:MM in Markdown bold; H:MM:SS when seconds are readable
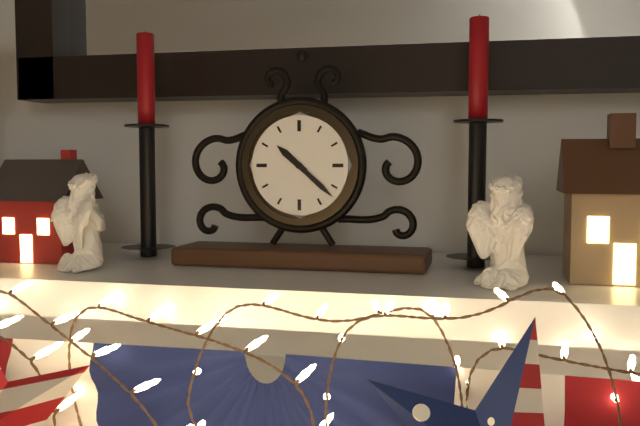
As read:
**10:22**
